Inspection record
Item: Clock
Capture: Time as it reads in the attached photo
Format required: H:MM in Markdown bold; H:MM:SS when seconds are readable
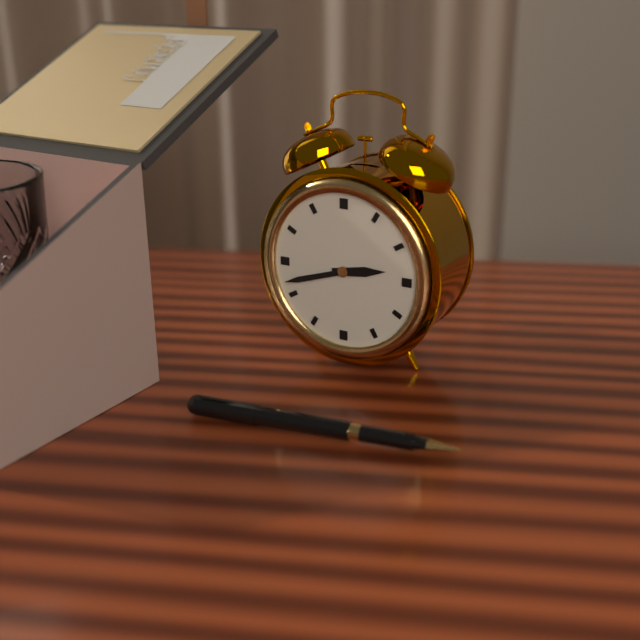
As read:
**2:42**
